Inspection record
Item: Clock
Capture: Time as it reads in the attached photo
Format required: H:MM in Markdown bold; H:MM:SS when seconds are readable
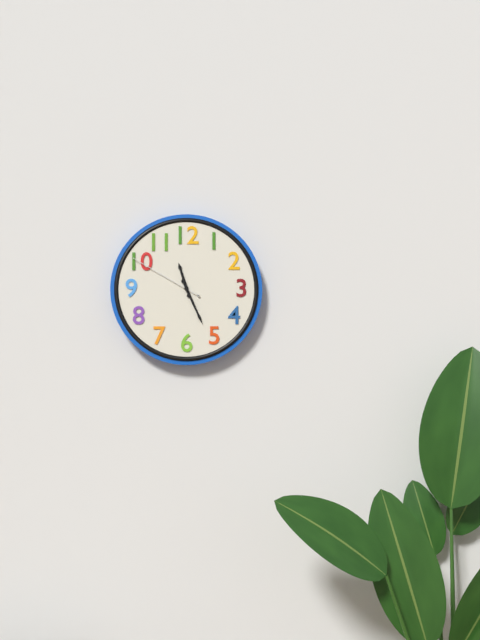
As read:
**11:26:50**
